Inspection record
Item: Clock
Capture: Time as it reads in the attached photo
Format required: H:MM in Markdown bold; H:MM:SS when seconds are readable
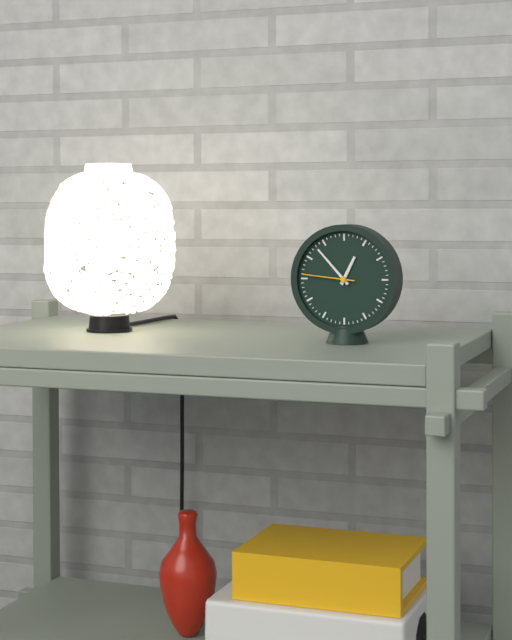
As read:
**12:53:46**
